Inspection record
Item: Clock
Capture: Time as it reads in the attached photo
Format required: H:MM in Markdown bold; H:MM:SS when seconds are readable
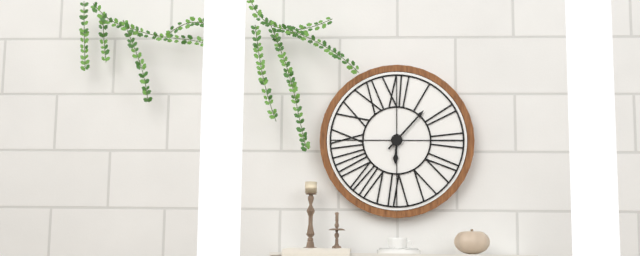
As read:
**6:07**
